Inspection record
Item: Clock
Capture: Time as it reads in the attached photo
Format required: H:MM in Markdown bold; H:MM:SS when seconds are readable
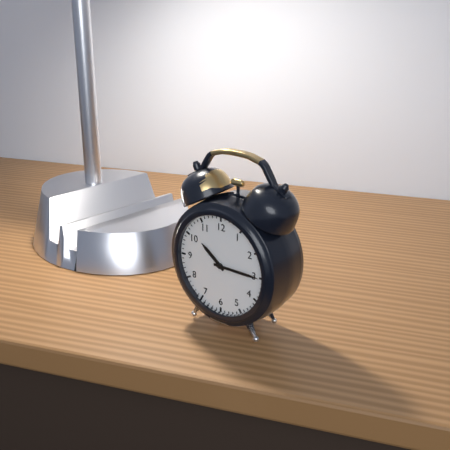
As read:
**10:15**
